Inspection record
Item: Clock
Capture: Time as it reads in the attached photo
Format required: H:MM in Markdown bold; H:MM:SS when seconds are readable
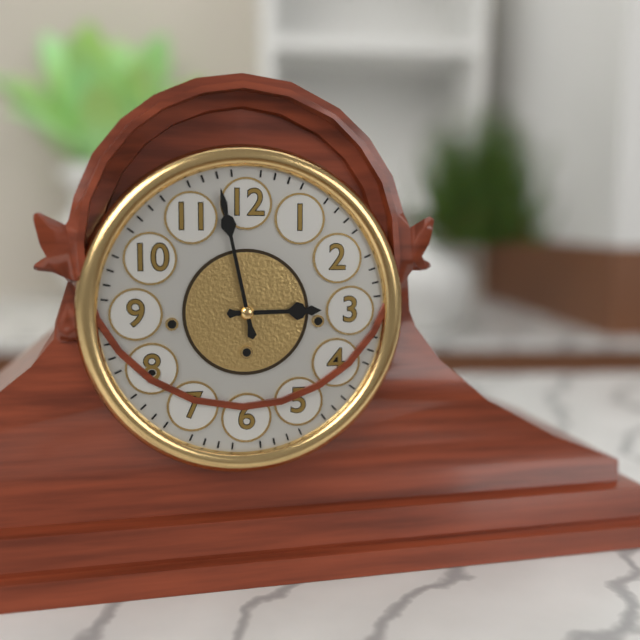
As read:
**2:58**
